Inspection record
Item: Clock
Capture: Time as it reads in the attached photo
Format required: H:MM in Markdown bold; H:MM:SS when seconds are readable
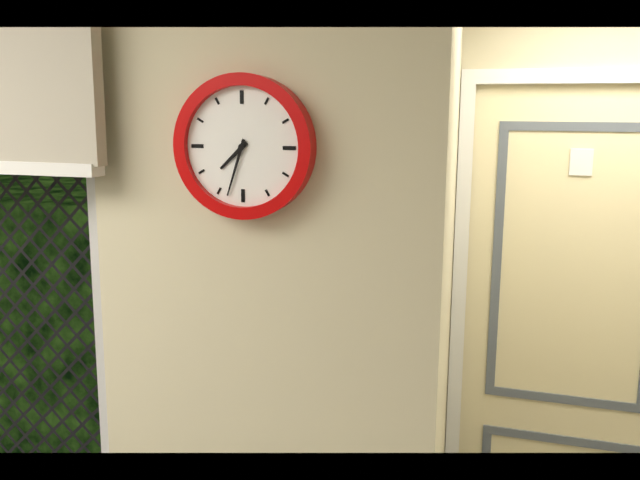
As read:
**7:33**
